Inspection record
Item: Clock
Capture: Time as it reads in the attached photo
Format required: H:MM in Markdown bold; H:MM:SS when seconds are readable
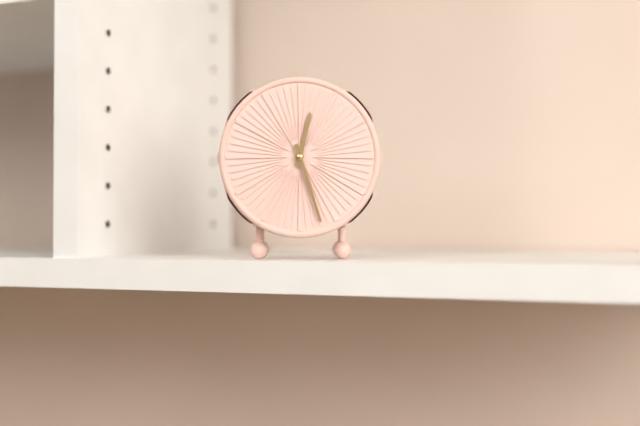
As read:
**12:27**
